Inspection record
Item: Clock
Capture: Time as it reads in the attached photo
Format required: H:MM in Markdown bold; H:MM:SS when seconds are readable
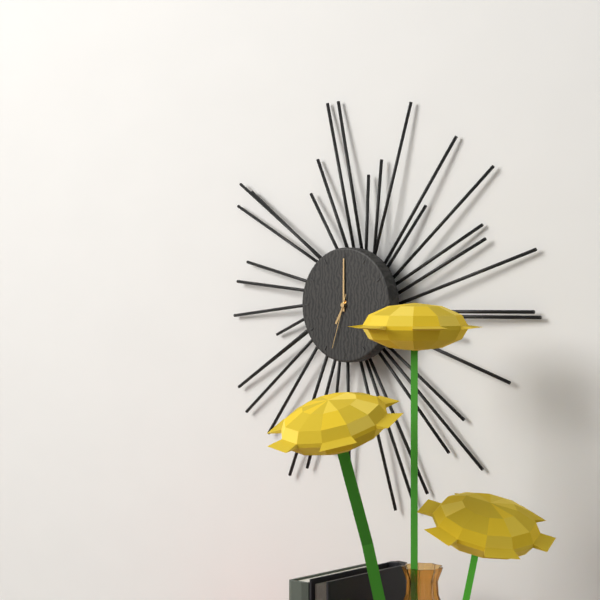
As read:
**7:00:33**
